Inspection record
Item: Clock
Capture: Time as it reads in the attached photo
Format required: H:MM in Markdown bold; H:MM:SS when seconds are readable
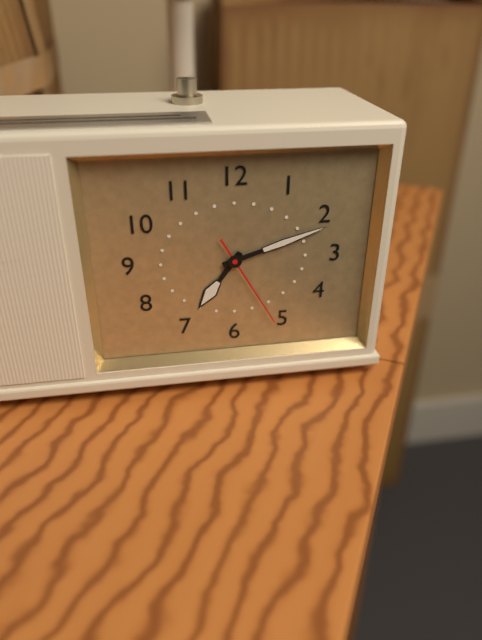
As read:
**7:12:25**
